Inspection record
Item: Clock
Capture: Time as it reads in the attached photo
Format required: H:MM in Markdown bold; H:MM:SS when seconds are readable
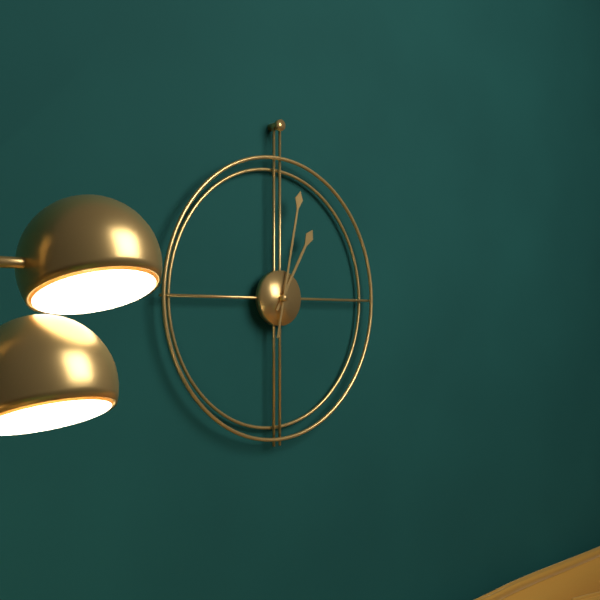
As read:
**1:02**
